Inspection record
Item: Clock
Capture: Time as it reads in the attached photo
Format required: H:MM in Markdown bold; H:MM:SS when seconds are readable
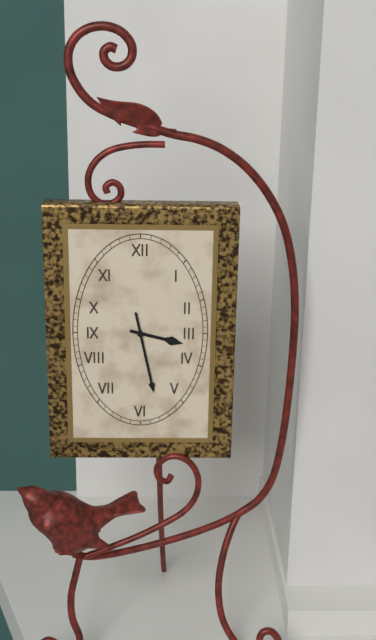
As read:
**3:28**
